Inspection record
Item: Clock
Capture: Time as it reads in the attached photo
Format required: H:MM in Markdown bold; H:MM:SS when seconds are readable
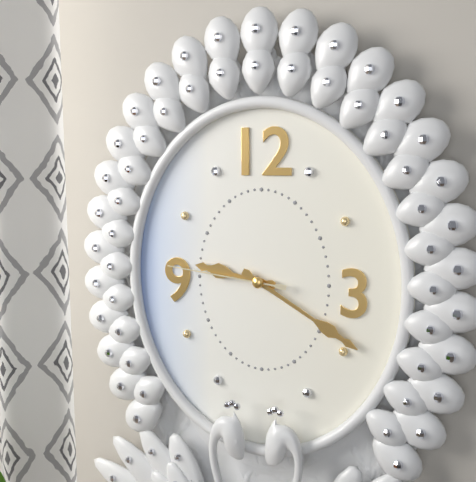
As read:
**9:20:46**
